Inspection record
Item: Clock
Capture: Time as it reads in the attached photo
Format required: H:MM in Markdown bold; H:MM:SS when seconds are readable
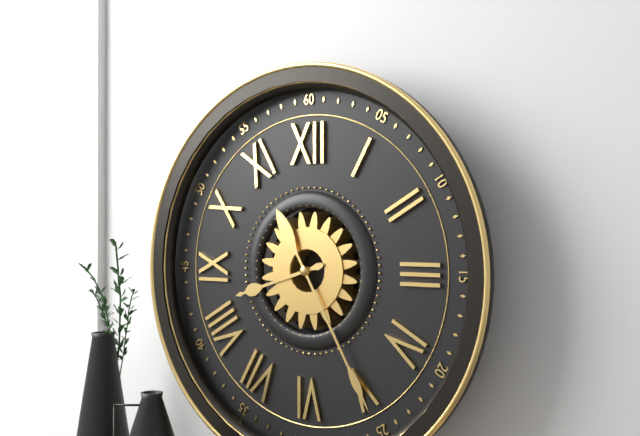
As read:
**8:25**
